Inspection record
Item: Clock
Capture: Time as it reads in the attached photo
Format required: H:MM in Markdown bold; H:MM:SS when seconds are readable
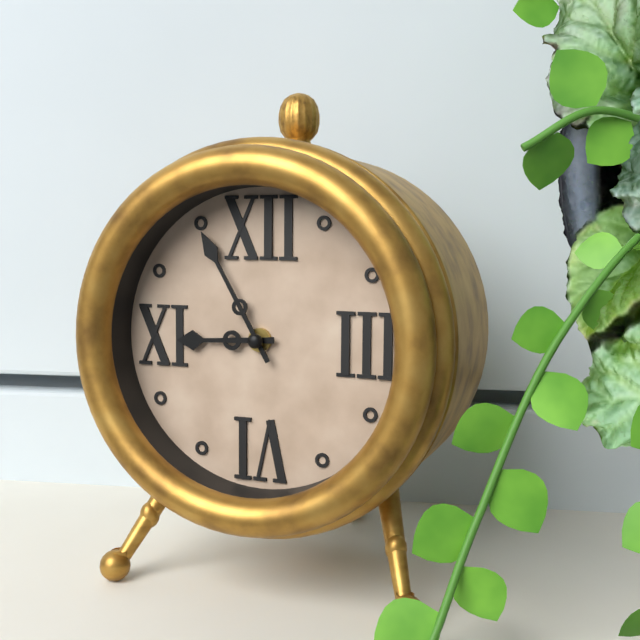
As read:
**8:55**
